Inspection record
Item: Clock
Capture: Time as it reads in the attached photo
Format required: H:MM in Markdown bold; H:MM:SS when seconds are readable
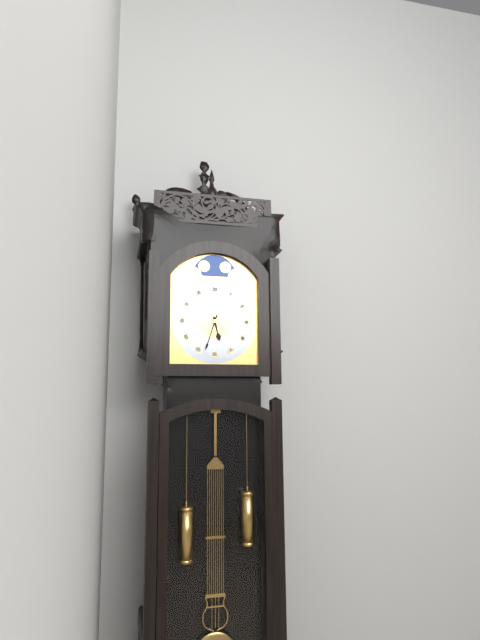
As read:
**5:33**
